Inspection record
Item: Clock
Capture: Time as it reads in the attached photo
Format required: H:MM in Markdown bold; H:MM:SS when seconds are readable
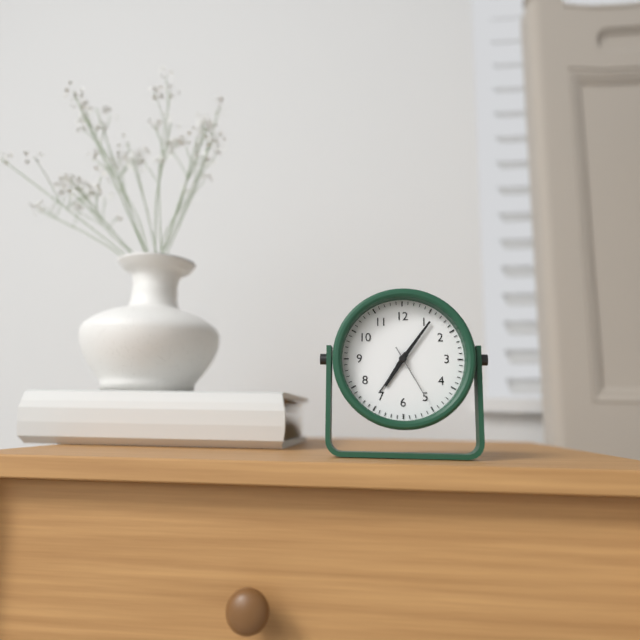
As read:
**7:06:25**
